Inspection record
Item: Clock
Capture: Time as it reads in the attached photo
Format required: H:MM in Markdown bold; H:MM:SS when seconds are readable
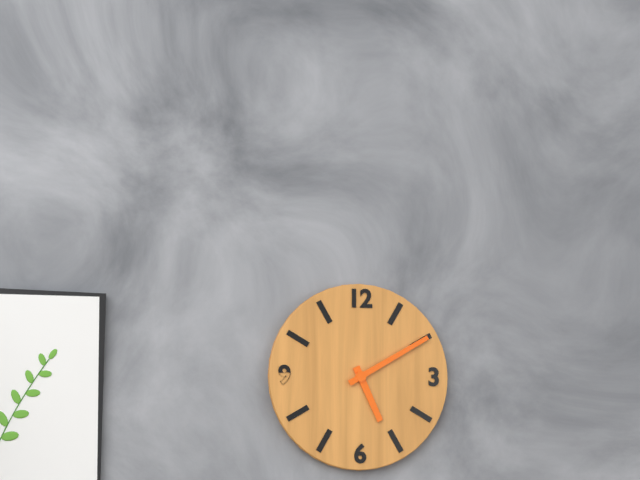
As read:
**5:10**
